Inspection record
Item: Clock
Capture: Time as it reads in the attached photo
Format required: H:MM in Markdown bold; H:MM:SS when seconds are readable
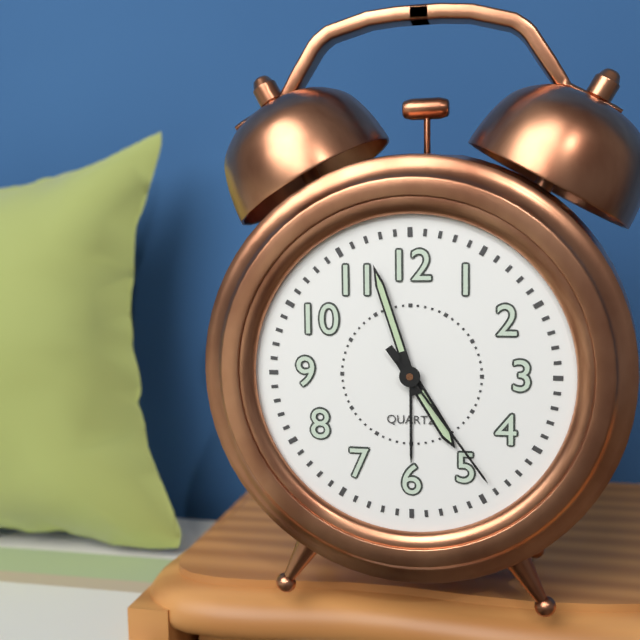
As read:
**4:57:24**
